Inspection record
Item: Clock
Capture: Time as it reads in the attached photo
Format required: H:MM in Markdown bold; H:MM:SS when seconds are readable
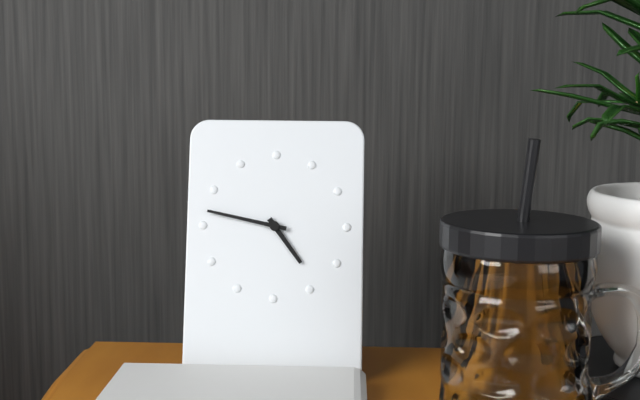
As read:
**4:47**
